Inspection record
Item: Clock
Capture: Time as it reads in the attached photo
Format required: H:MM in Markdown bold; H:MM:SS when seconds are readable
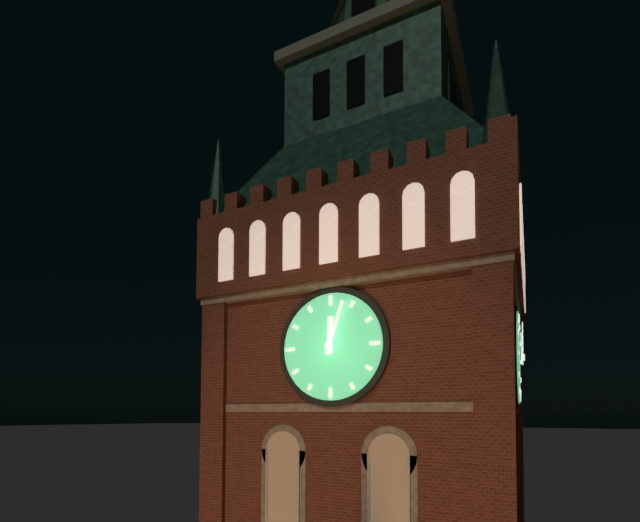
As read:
**12:03**
